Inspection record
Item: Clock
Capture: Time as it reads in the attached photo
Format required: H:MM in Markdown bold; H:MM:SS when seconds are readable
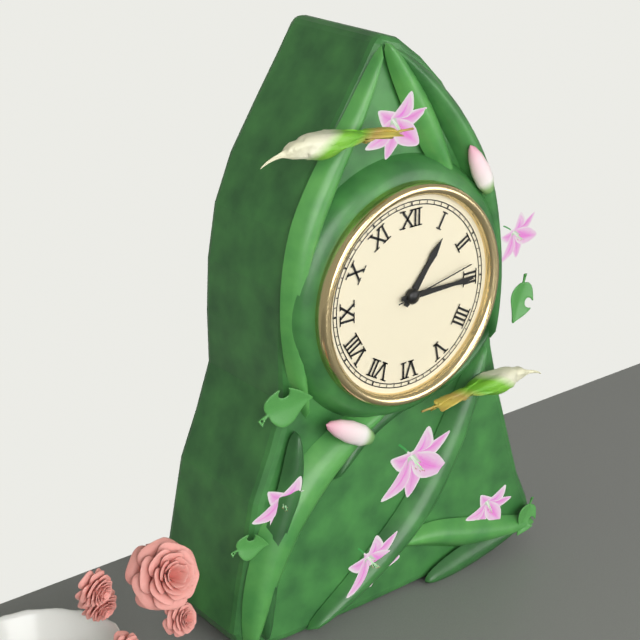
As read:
**1:15:13**
